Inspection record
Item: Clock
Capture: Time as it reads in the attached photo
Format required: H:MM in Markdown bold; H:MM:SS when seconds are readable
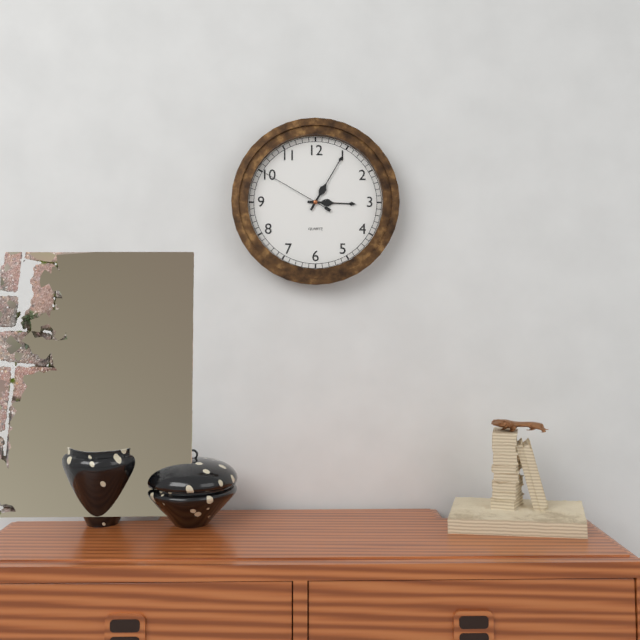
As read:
**3:05:50**
